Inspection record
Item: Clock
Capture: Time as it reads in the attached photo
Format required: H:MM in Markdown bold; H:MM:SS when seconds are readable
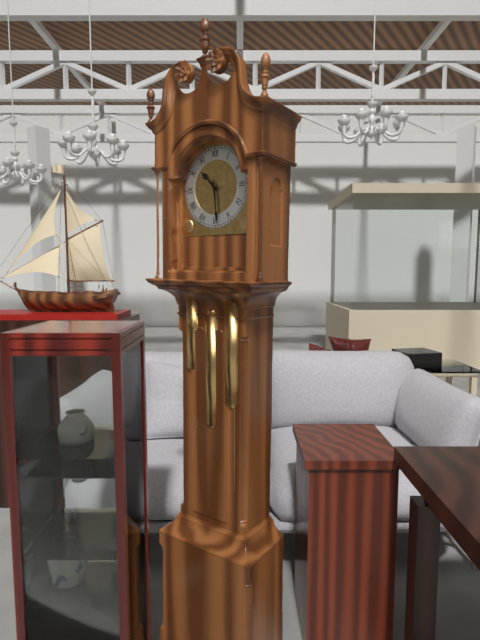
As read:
**10:29**
